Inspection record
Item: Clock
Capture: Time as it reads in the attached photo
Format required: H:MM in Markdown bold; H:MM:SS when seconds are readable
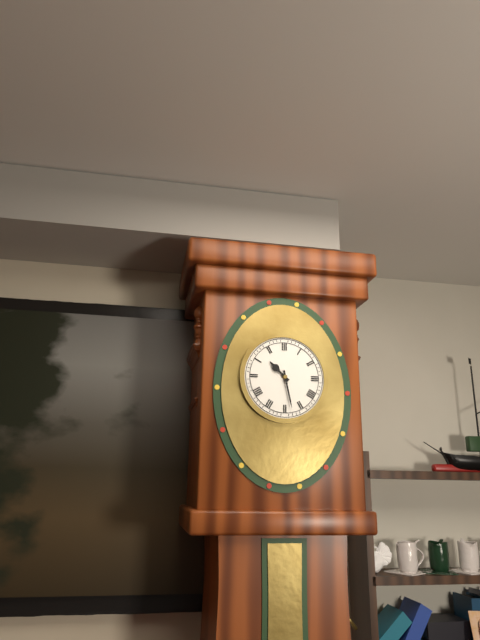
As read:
**10:28**
